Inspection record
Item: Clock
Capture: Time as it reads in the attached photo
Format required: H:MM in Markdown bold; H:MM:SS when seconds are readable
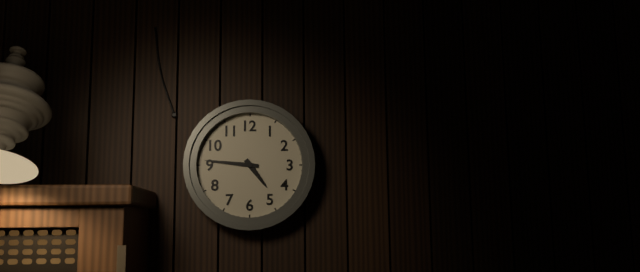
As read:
**4:46**
